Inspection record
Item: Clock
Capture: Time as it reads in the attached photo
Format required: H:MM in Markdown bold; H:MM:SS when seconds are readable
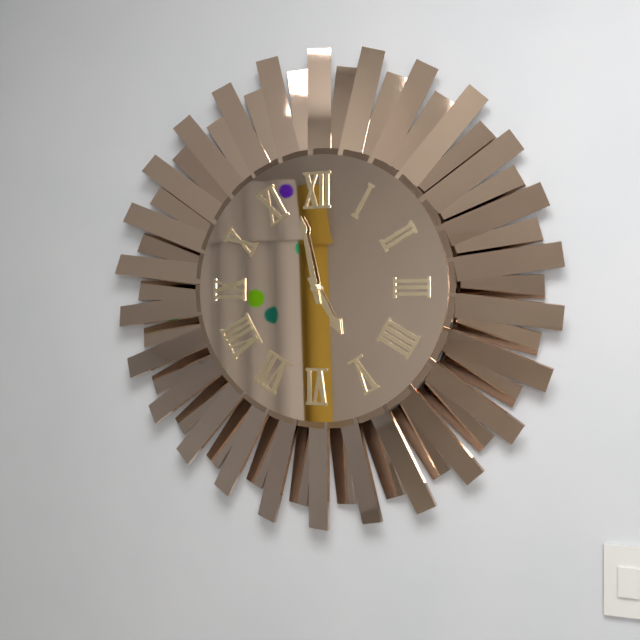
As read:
**4:58**
